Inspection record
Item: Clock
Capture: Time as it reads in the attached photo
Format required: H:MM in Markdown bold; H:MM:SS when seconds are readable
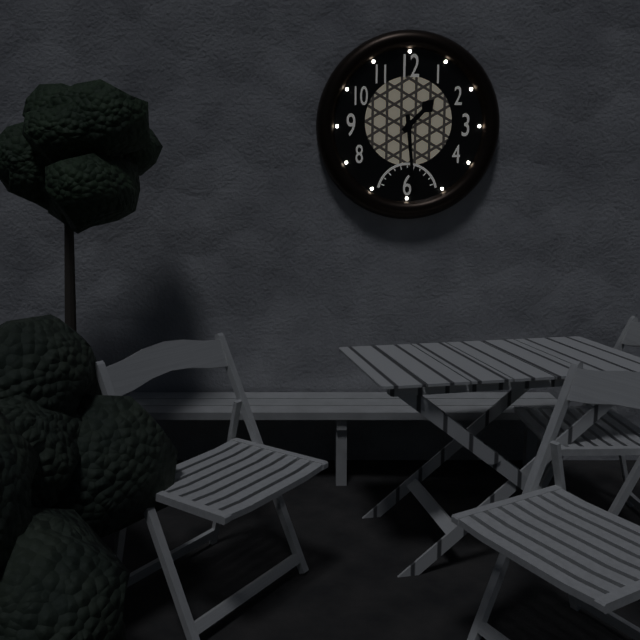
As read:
**1:29**
